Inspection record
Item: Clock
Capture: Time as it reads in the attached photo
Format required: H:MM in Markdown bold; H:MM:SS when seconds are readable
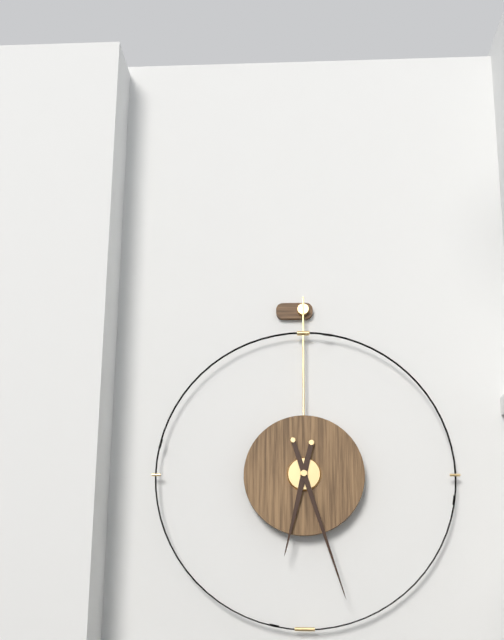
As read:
**6:27**
